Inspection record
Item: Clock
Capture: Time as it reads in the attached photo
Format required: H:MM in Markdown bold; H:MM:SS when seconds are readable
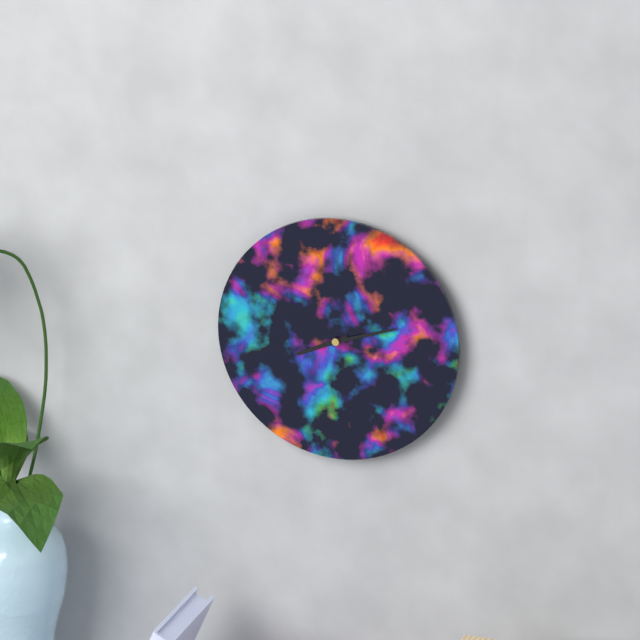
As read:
**8:12**
